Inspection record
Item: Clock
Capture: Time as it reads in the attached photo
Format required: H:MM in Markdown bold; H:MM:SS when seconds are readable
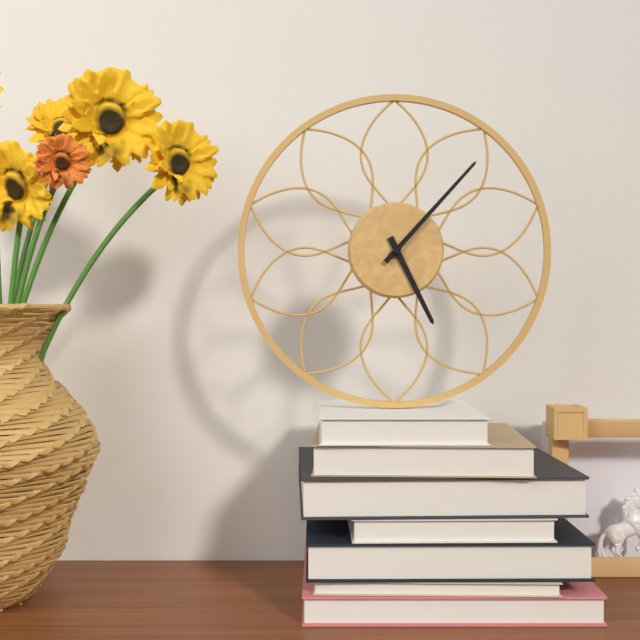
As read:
**5:07**
